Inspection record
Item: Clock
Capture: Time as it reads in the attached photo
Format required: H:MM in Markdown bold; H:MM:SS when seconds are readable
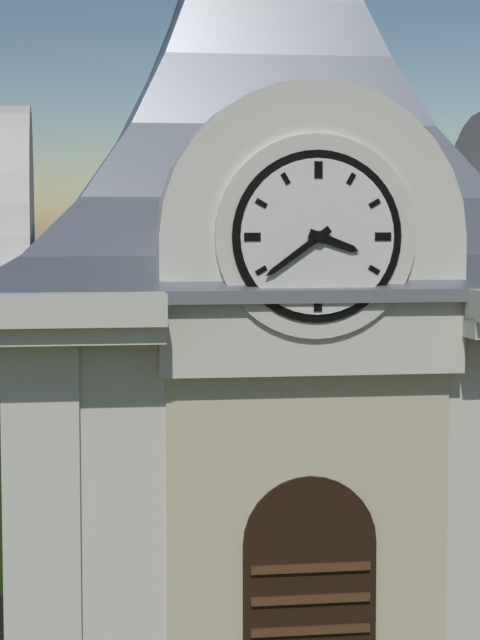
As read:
**3:39**
